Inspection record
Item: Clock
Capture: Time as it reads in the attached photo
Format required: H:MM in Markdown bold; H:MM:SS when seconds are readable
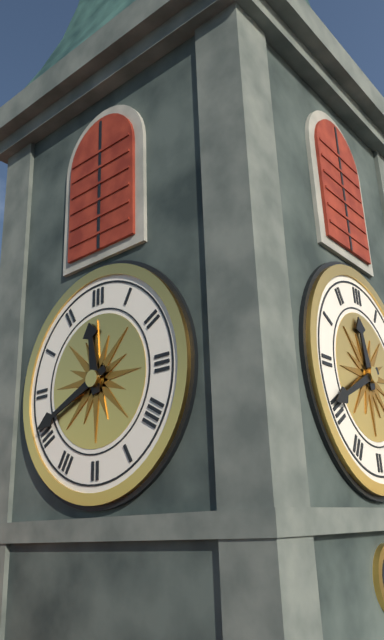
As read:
**11:41**
